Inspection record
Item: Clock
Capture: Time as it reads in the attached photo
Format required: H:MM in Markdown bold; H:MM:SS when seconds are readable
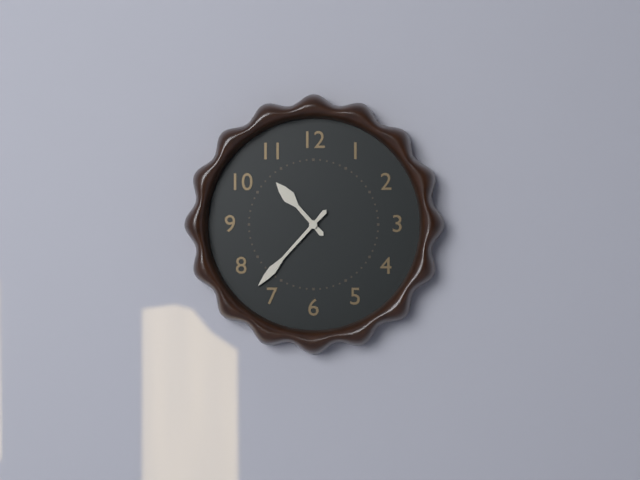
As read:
**10:37**
